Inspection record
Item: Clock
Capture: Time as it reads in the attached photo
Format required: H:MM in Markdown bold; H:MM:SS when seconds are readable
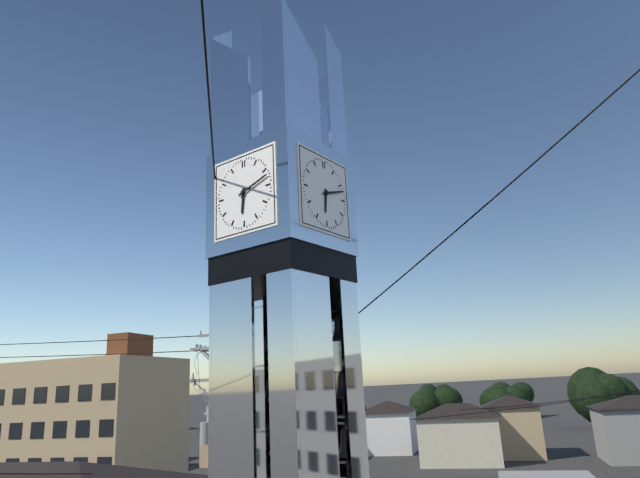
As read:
**6:12**
